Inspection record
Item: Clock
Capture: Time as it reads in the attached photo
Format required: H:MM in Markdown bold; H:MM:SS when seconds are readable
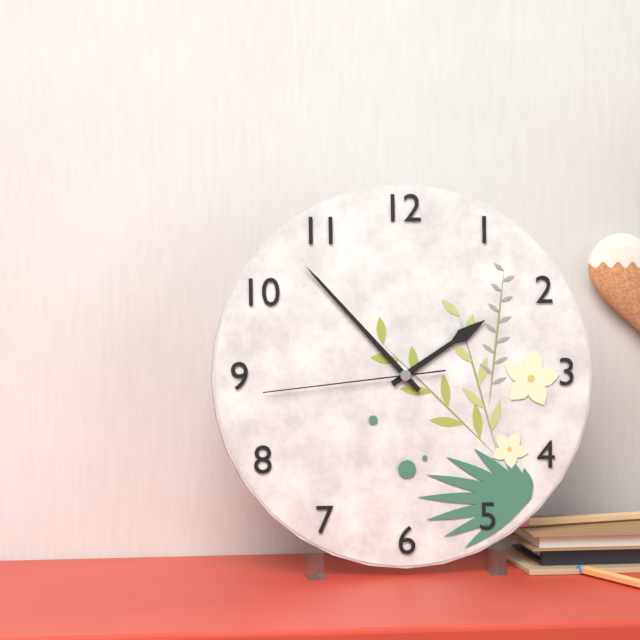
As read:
**1:53:44**
